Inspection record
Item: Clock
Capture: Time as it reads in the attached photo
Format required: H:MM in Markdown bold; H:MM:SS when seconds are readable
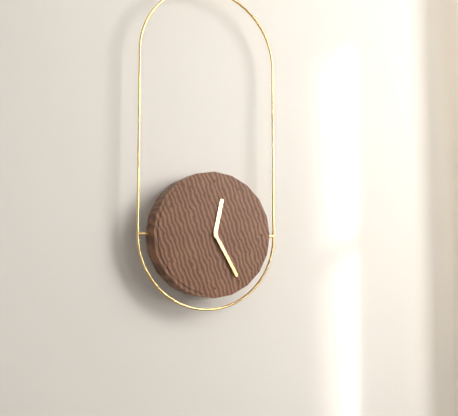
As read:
**12:25**
